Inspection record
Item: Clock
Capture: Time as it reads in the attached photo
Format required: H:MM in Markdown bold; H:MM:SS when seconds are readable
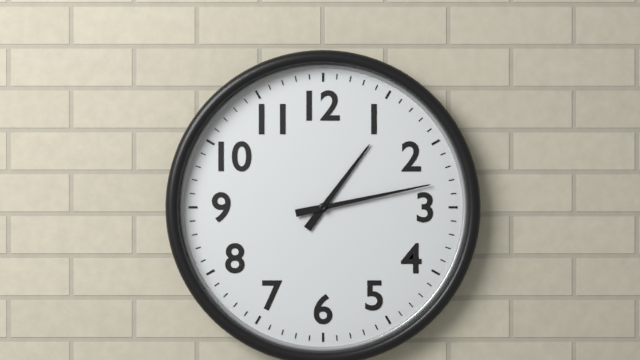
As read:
**1:13**
